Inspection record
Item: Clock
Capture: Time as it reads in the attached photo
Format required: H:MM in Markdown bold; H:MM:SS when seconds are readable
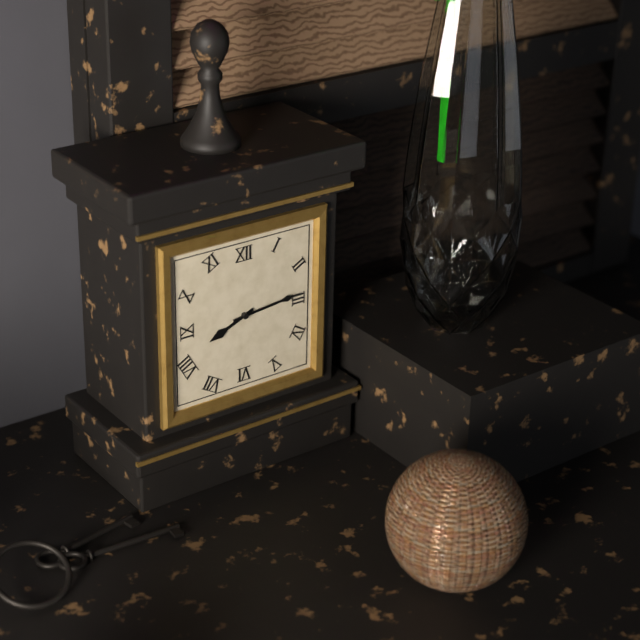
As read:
**8:14**
